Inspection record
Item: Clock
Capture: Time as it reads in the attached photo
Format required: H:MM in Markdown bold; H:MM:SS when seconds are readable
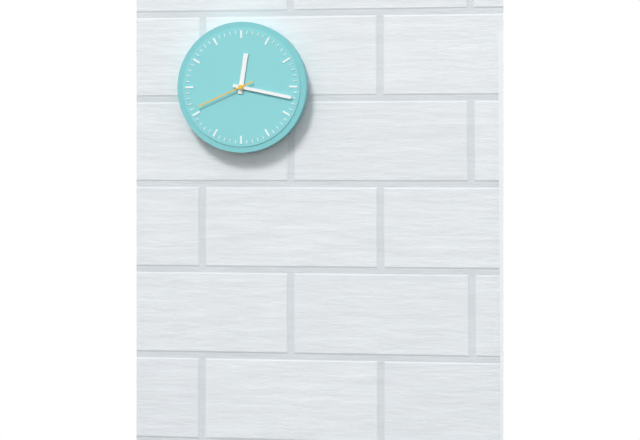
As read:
**12:17:41**
